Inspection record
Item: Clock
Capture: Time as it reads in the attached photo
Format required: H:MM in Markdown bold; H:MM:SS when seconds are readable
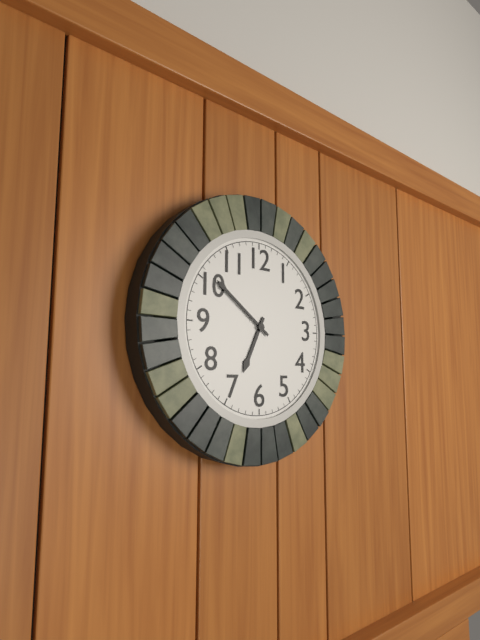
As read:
**6:51**
